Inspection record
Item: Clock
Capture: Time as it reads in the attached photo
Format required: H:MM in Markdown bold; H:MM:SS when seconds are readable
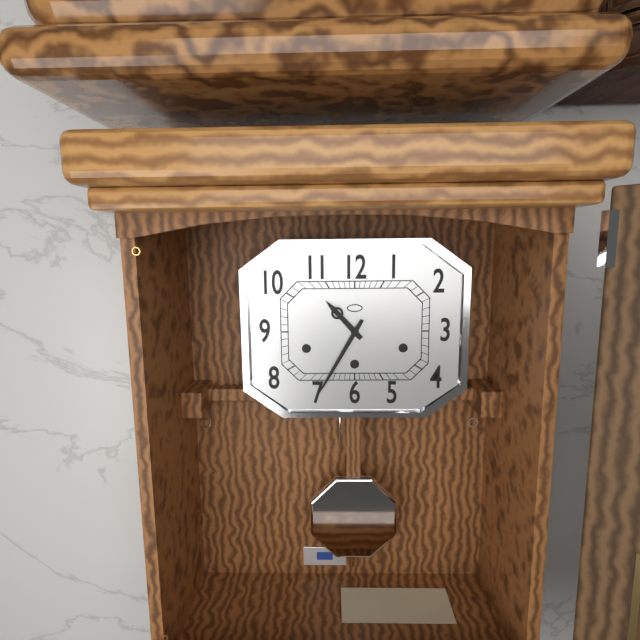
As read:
**10:35**
